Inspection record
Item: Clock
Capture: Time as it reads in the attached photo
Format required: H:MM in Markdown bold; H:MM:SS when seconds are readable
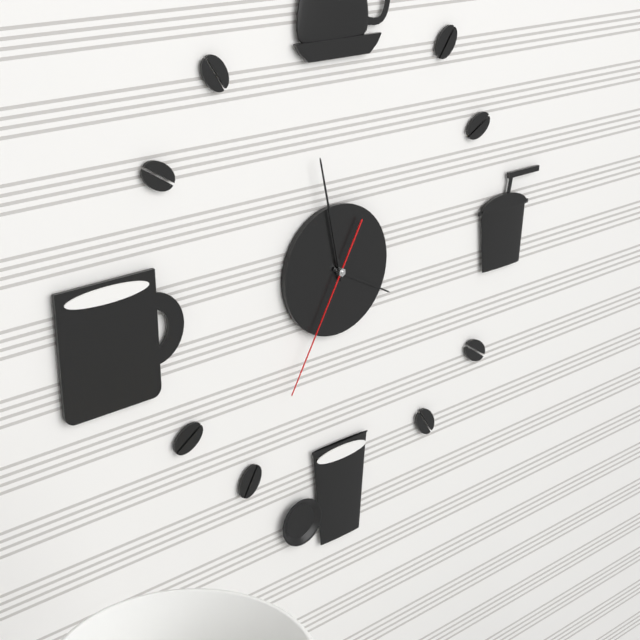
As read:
**3:58:35**
